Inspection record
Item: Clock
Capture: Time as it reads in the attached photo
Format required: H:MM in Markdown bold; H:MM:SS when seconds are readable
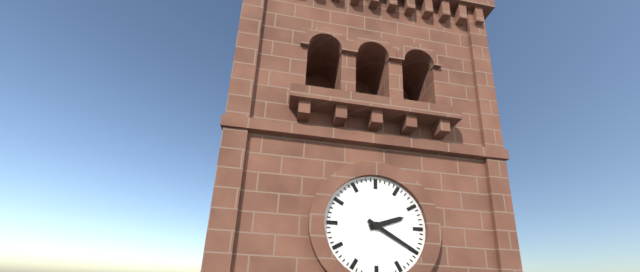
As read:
**2:20**
